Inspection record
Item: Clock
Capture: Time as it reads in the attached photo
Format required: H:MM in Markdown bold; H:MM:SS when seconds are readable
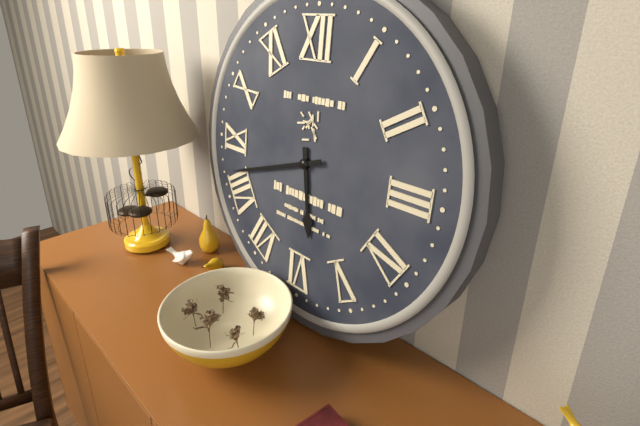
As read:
**5:42**
